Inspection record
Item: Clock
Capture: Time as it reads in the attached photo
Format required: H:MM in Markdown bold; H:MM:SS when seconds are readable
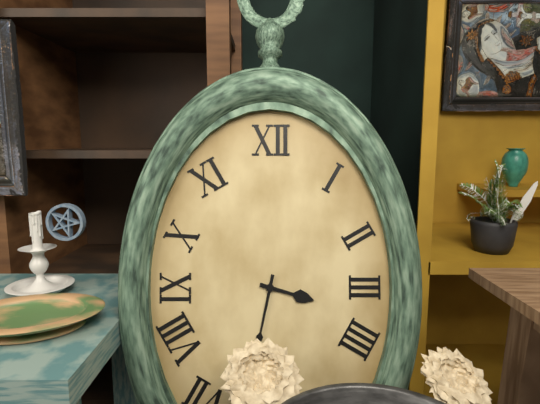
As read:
**3:32**
